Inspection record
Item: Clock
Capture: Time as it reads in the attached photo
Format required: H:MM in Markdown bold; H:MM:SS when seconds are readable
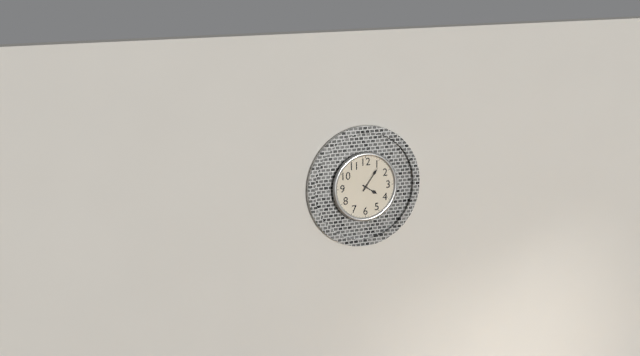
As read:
**4:06**
